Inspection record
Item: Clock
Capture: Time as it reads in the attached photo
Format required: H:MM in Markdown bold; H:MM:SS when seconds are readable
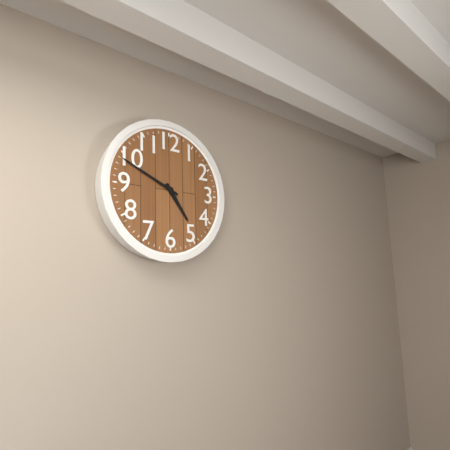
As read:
**4:49**
